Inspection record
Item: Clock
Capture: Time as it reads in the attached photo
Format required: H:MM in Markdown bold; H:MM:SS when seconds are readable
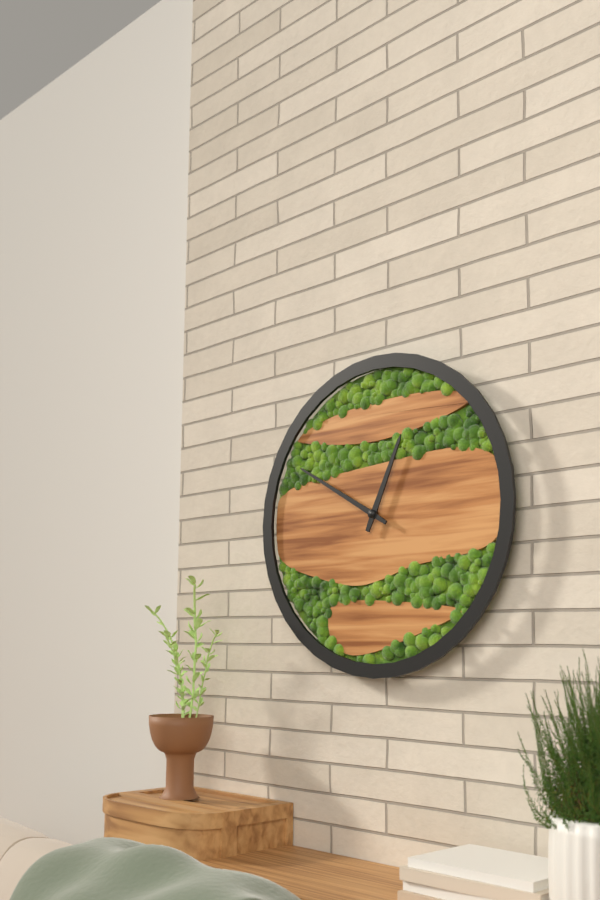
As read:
**12:50**
